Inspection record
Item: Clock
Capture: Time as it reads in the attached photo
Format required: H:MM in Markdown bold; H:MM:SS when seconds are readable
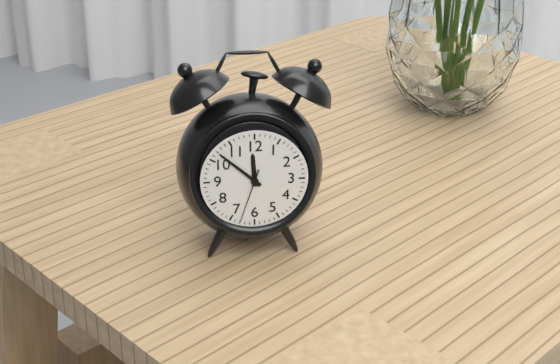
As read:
**11:52:33**
